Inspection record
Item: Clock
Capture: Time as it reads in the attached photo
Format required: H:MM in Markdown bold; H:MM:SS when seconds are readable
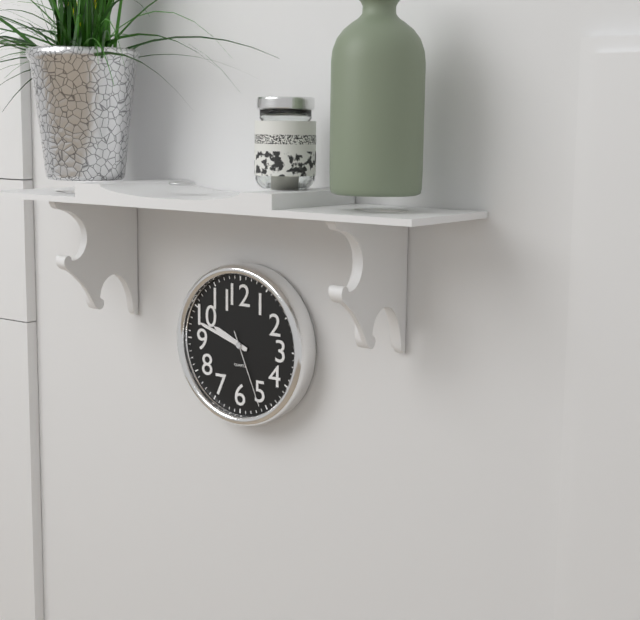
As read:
**9:48:26**
